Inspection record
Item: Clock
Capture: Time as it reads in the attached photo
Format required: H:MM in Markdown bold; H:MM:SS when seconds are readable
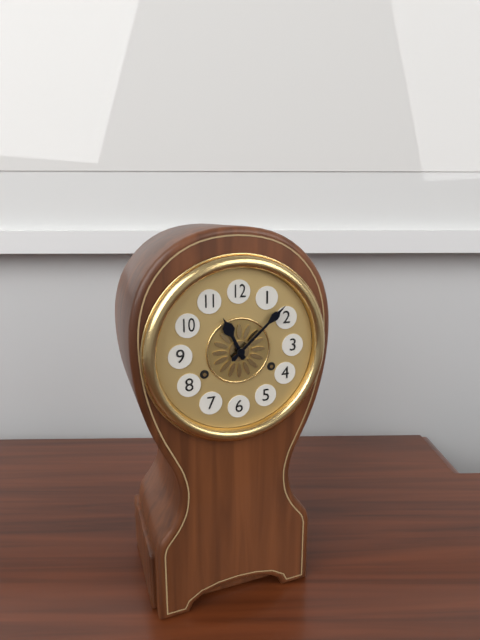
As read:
**11:08**
